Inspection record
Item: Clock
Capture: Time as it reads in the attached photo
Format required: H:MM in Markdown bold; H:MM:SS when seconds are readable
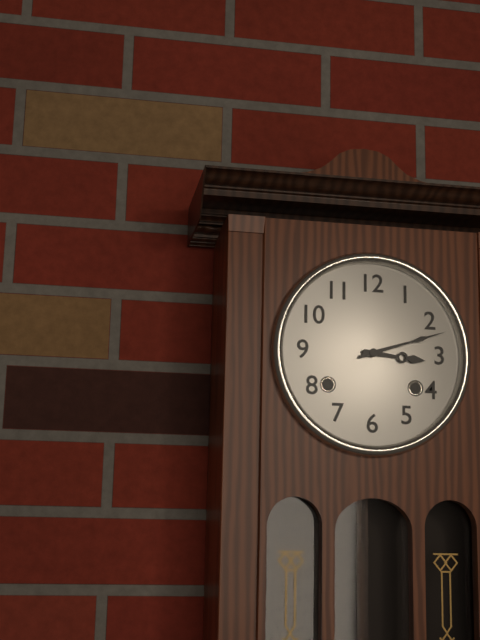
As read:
**3:12**
